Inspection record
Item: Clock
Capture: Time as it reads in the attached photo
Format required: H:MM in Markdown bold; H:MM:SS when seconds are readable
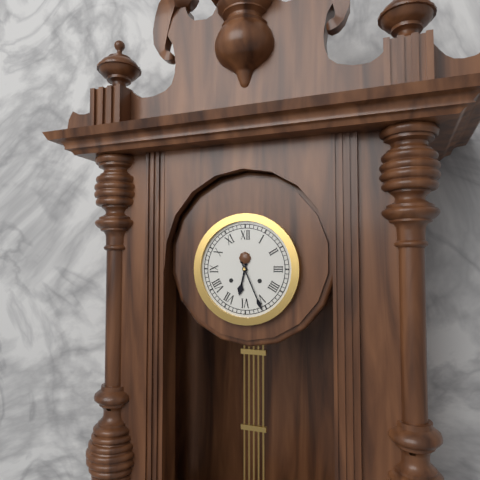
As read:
**6:26**
